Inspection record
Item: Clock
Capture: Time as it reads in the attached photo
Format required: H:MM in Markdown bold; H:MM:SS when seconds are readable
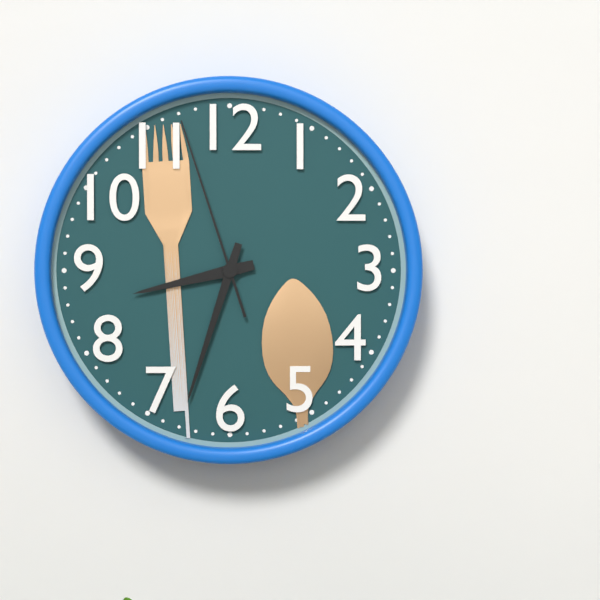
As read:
**8:33:57**
